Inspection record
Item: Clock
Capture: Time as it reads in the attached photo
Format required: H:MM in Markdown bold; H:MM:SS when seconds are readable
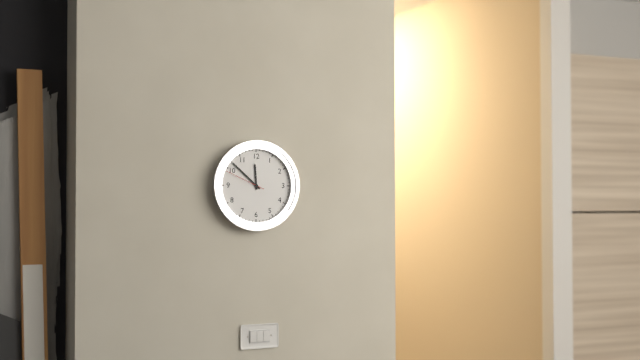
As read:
**11:52**
